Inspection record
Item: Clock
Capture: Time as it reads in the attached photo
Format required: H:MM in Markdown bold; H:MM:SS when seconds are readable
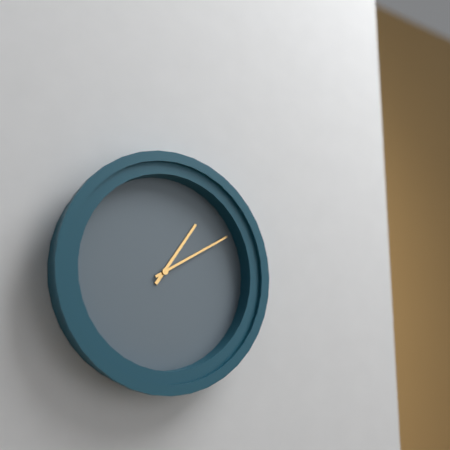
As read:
**1:10**
